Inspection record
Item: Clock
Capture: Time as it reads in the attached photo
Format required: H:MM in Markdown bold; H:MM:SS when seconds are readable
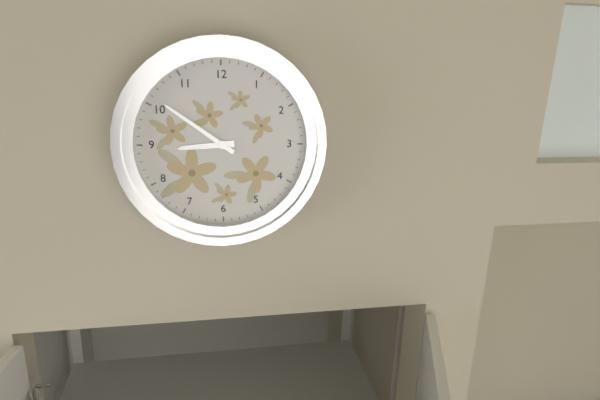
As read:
**8:51**
